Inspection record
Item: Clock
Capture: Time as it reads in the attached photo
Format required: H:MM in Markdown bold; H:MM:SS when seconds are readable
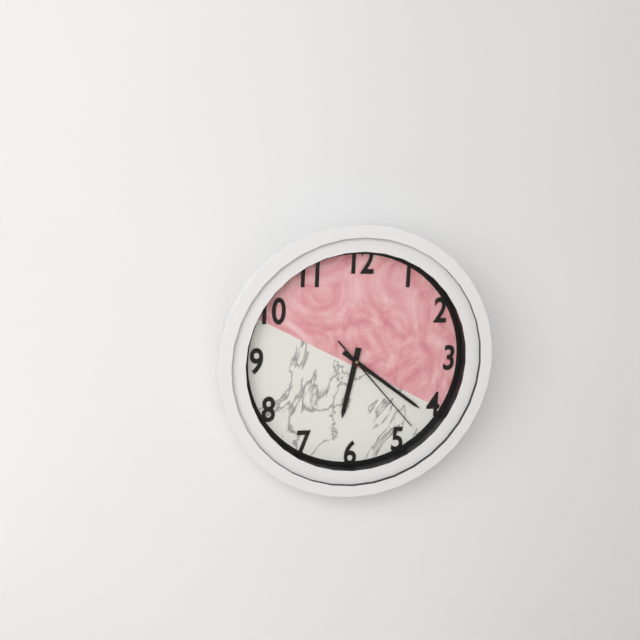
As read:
**6:21:23**
